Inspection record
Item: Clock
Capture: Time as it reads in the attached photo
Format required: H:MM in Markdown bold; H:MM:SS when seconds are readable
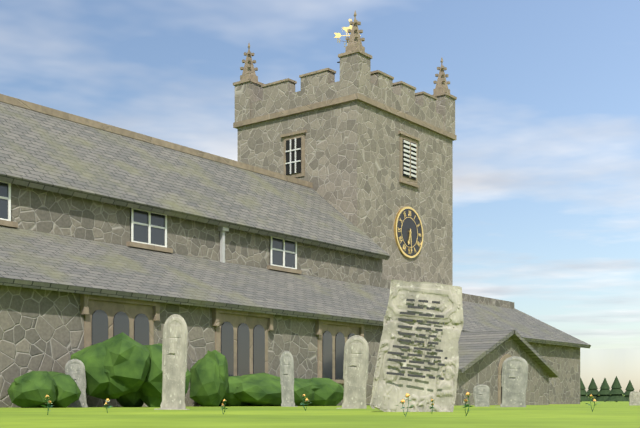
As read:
**6:29**
